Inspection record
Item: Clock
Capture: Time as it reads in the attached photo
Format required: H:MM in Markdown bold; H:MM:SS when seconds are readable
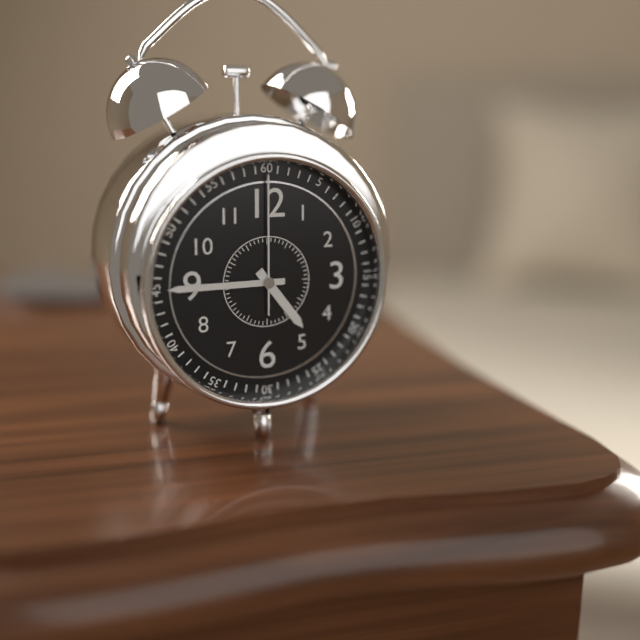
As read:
**4:45:00**
